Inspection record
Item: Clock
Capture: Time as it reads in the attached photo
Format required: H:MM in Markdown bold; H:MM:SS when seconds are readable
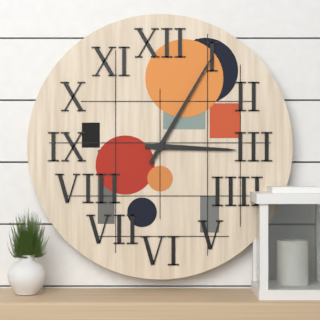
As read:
**3:05**
